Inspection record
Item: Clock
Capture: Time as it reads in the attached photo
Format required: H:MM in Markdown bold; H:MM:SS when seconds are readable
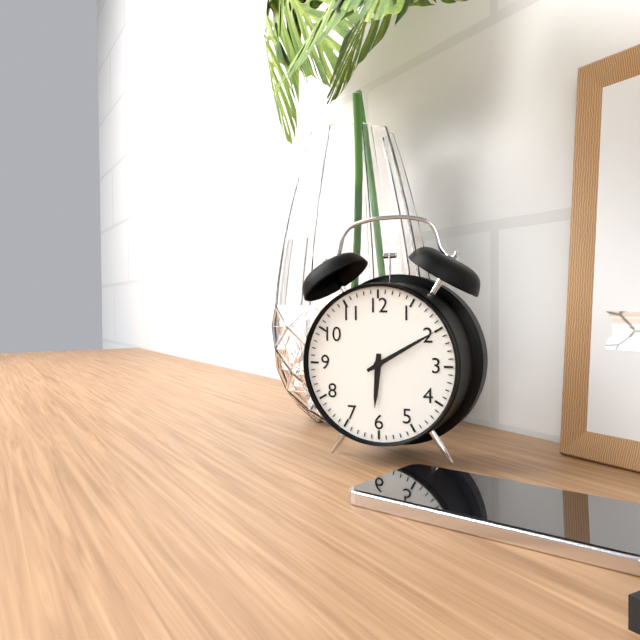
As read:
**6:10**
